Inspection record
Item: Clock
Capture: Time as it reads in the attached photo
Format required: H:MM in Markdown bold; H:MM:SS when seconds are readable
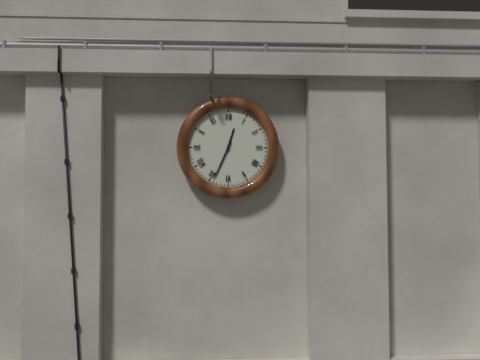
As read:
**12:34**
